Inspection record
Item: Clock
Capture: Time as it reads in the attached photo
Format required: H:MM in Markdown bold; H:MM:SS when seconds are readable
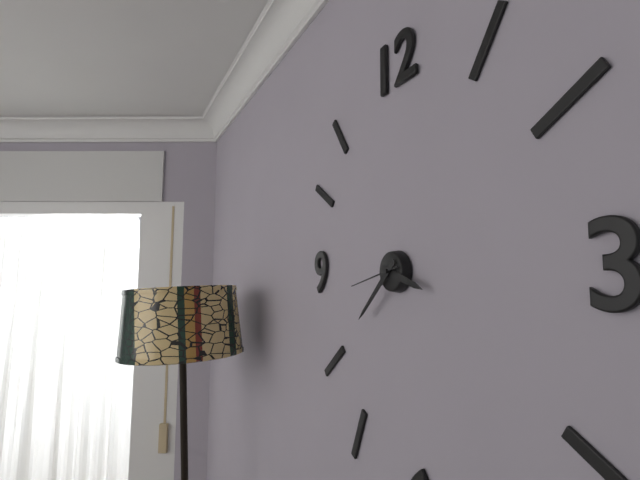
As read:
**3:38**
